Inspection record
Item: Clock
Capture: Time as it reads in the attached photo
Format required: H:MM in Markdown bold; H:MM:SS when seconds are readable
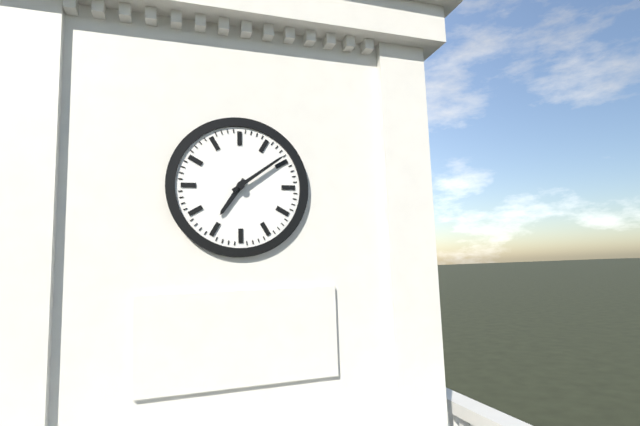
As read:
**7:09**
